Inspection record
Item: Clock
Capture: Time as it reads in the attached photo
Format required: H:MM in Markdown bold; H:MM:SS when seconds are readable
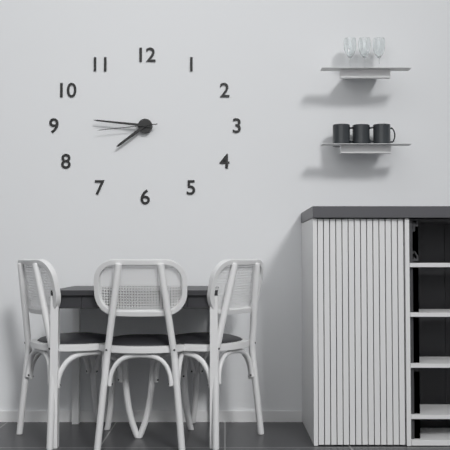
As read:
**7:46:44**
